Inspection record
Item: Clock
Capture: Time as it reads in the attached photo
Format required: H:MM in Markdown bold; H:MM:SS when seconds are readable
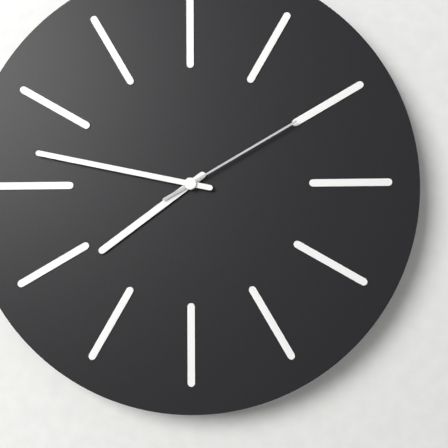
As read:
**7:47:10**
